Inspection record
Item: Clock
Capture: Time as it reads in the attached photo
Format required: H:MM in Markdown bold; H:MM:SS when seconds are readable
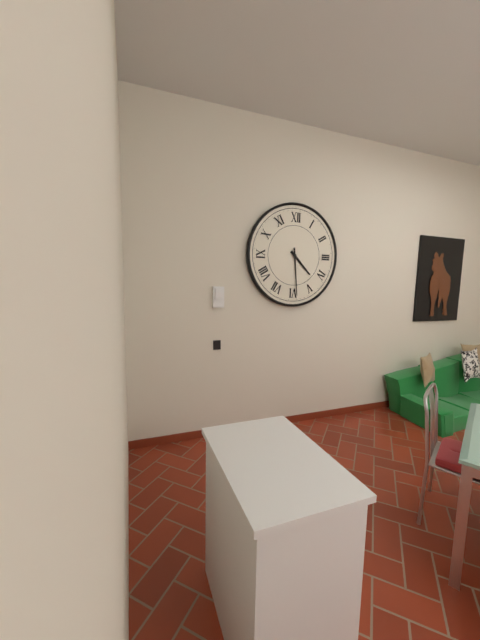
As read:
**4:29**
